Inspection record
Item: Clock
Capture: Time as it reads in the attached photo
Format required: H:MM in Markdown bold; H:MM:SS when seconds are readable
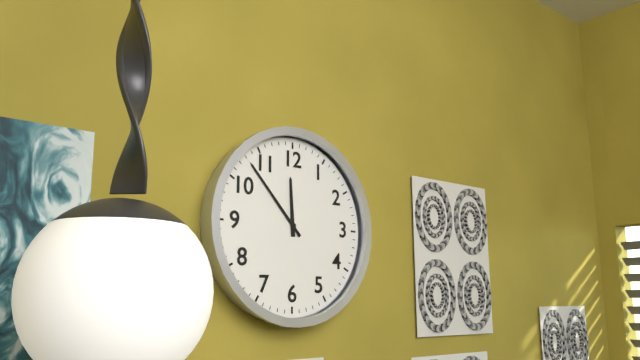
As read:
**11:53**
